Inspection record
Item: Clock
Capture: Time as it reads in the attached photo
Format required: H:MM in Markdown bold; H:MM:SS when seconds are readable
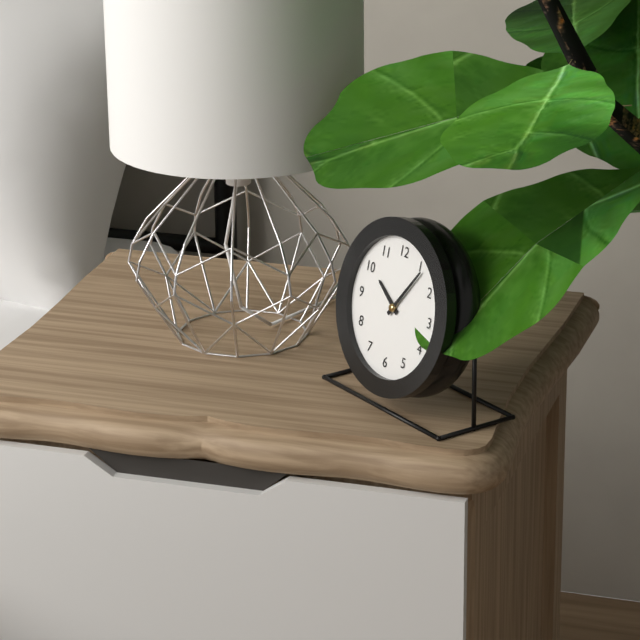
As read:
**10:06**
